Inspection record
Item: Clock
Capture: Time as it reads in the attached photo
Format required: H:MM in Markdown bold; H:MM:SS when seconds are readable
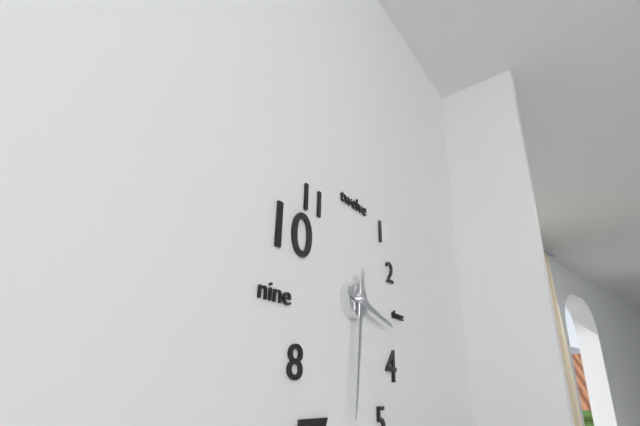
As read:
**3:31**
